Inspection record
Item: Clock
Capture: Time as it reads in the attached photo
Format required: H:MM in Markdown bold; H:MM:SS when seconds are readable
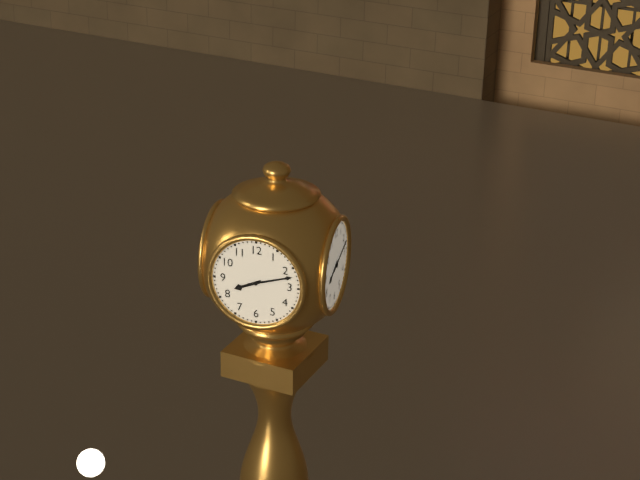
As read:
**8:12**
